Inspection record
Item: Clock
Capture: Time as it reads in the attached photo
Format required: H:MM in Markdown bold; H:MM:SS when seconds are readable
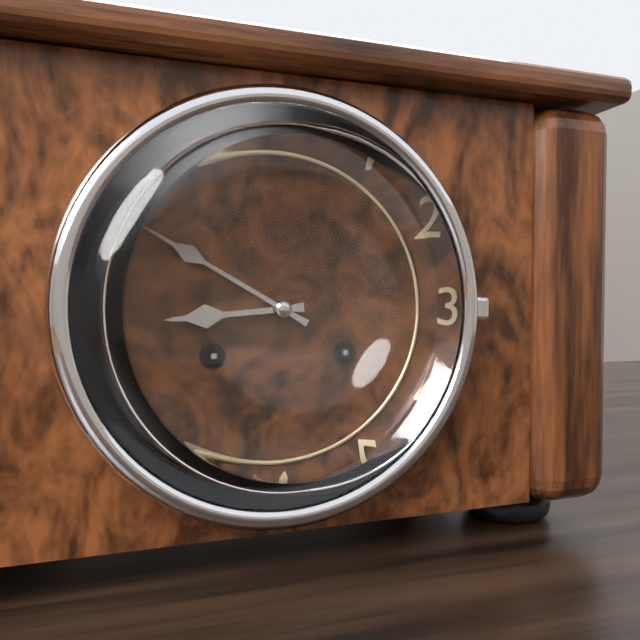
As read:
**8:50**
